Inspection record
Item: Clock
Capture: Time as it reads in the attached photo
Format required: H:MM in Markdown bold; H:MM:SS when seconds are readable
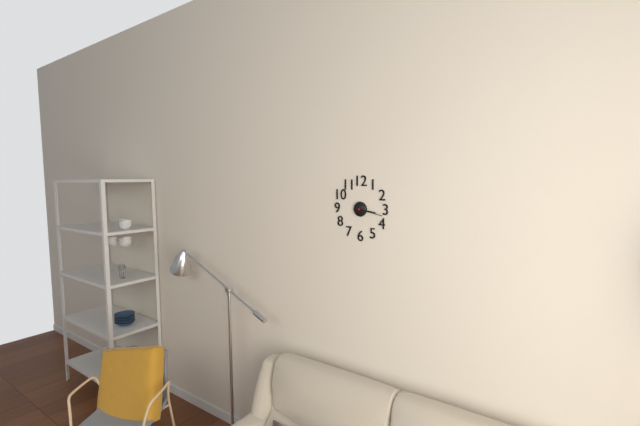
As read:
**3:17**
